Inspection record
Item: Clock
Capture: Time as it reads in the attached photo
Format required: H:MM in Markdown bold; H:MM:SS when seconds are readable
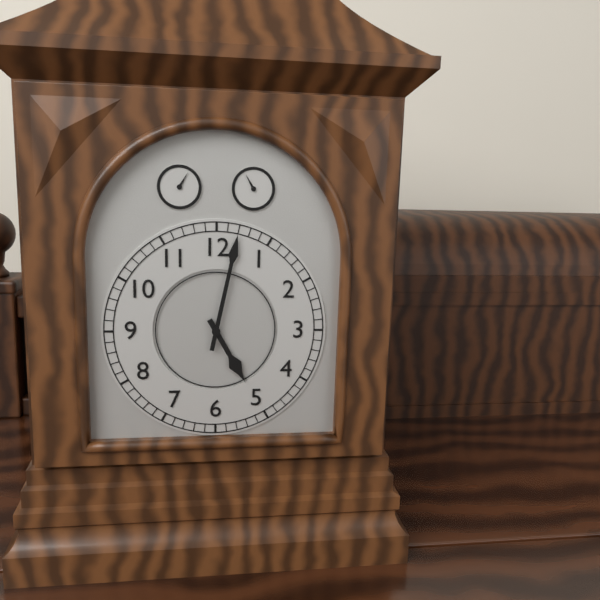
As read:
**5:02**
